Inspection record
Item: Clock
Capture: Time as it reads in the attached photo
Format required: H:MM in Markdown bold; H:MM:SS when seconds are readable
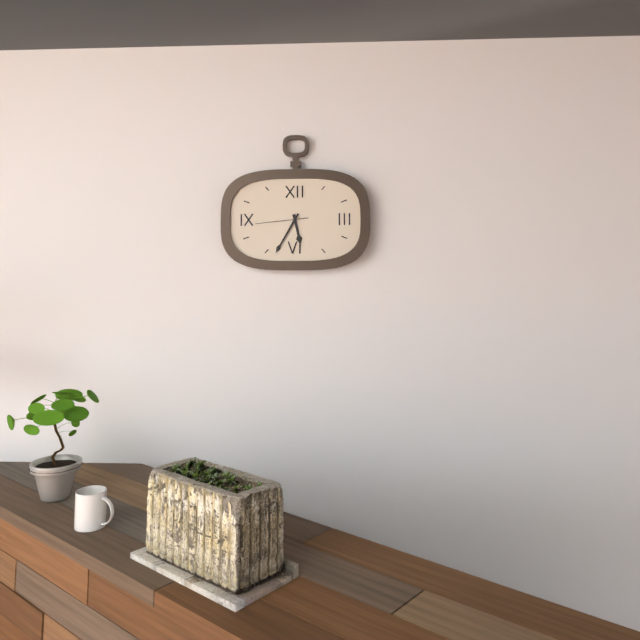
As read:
**5:35:44**
